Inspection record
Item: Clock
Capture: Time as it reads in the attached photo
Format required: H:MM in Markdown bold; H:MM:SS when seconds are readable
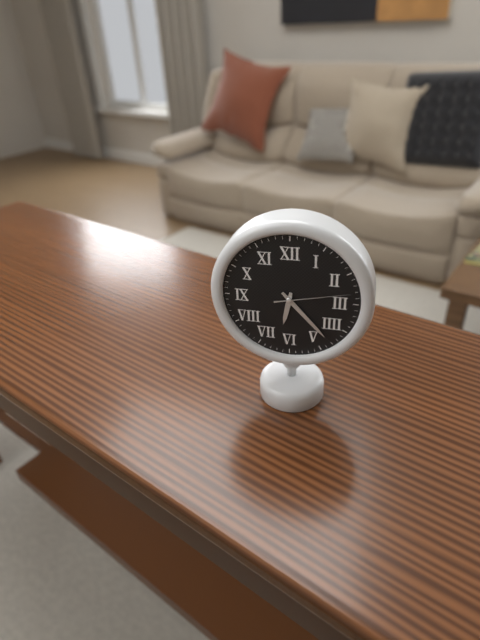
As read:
**6:23:13**
